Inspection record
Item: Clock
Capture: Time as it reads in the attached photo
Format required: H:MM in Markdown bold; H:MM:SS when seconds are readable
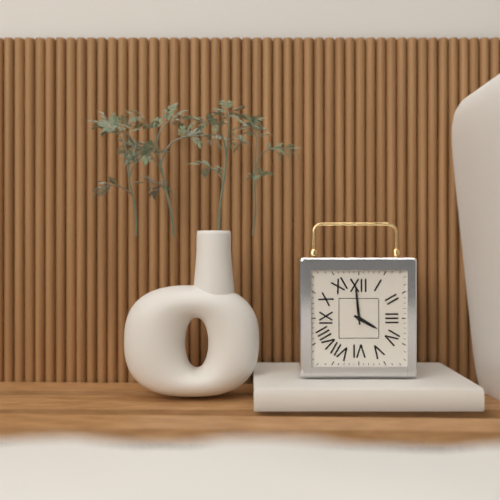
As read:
**3:59**
